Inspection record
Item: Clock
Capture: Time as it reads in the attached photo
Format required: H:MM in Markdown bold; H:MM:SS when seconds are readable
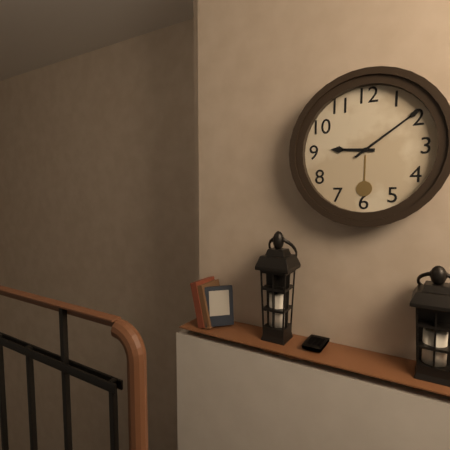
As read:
**9:09**
